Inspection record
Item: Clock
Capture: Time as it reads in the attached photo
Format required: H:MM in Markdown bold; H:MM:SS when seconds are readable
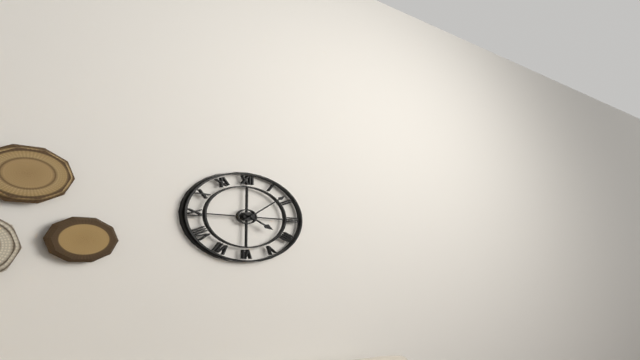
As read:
**4:08**
